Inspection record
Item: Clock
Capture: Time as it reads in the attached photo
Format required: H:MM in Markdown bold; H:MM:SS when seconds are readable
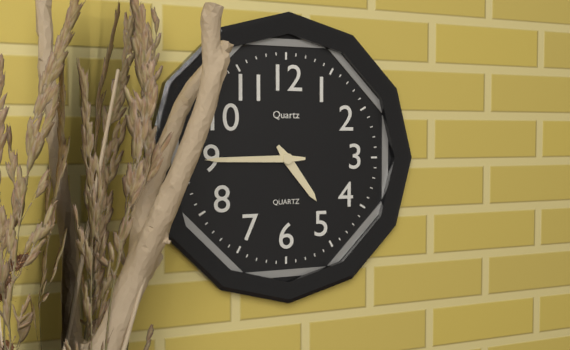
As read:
**4:45**
